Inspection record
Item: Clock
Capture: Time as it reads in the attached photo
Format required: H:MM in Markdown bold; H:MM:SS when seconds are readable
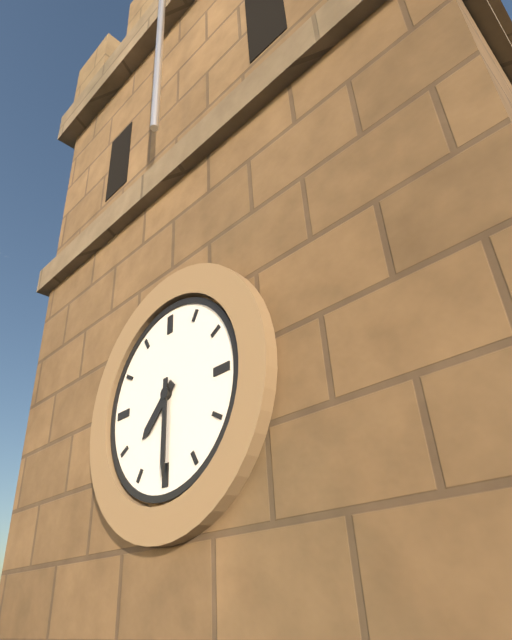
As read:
**7:30**
